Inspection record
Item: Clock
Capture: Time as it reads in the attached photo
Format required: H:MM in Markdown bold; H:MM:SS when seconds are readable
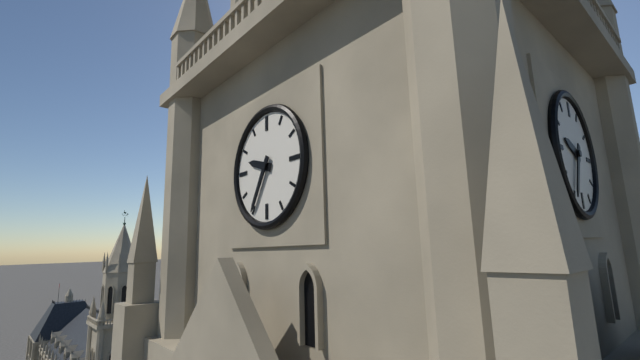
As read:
**9:35**
